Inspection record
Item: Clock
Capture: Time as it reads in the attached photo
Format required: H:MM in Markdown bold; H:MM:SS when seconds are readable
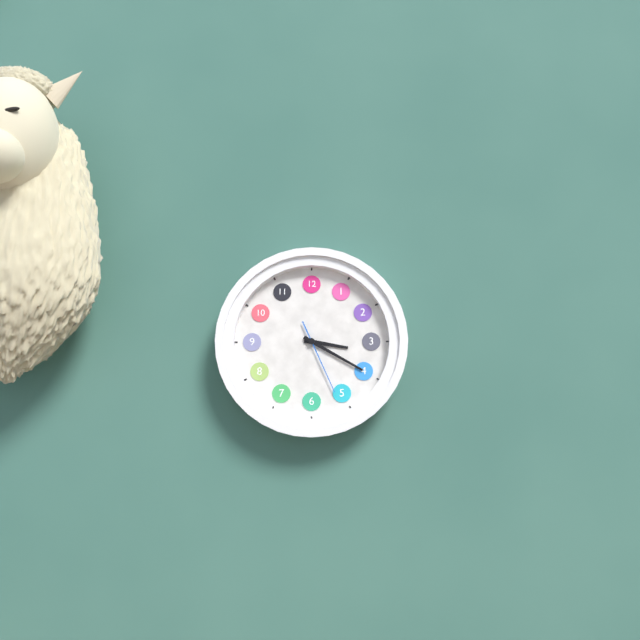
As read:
**3:20:26**
